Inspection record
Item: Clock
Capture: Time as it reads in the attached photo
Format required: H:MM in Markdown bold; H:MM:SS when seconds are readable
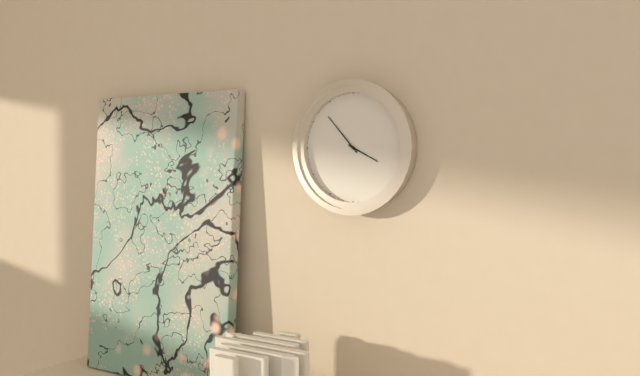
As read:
**3:53**
